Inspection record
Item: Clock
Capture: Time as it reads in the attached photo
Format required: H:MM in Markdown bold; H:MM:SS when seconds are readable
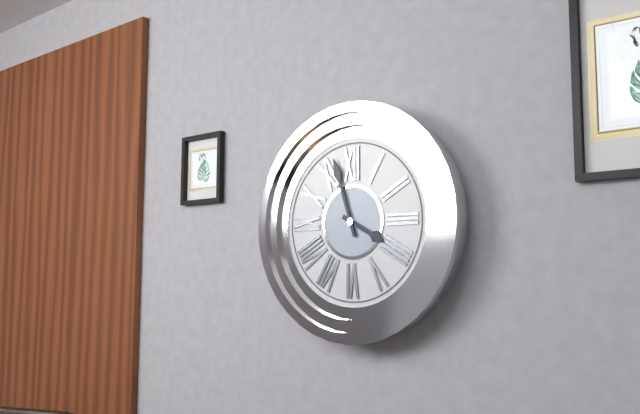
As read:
**3:57**
